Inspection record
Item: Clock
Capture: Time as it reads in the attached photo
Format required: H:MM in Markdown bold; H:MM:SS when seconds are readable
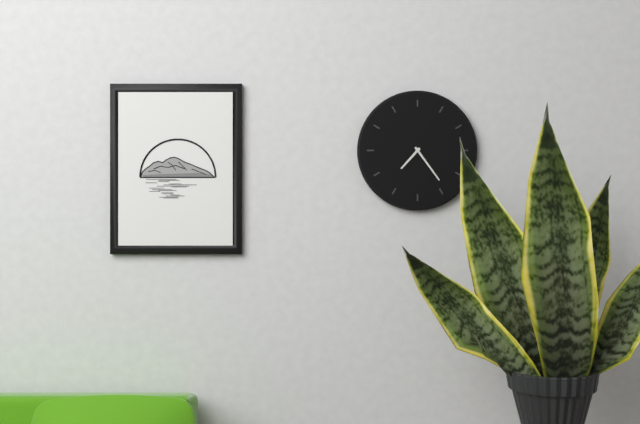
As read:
**7:24**
